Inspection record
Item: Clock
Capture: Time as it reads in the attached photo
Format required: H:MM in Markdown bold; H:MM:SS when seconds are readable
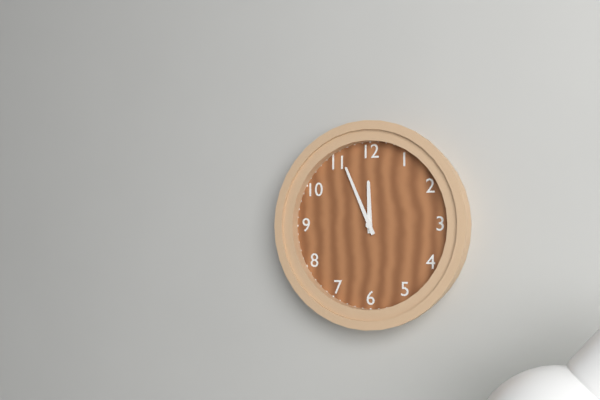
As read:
**11:56**
